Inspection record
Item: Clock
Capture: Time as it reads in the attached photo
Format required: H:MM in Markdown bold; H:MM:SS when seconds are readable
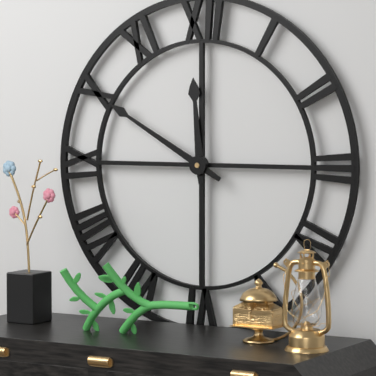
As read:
**11:50**
